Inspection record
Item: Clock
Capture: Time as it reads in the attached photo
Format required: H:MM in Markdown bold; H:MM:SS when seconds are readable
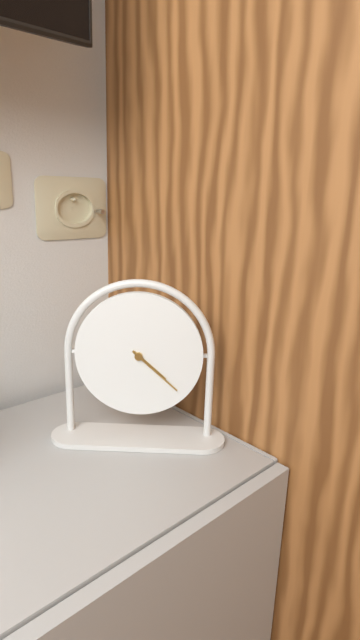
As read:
**4:22**
